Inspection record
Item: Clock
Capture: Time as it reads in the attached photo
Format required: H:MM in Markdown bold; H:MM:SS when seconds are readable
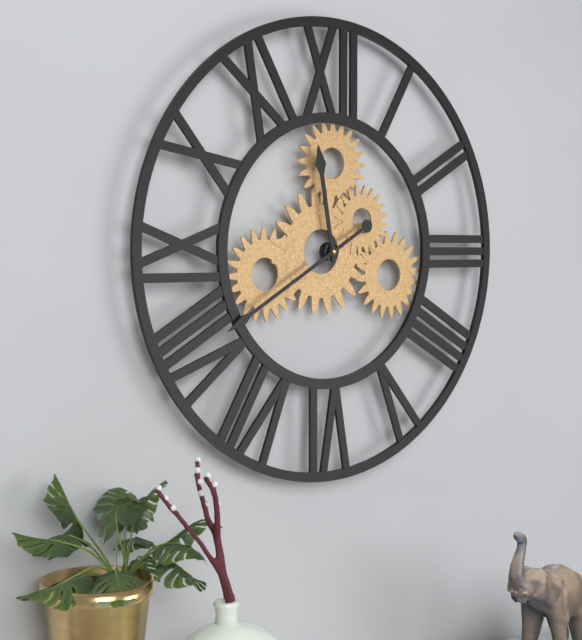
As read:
**11:40**
